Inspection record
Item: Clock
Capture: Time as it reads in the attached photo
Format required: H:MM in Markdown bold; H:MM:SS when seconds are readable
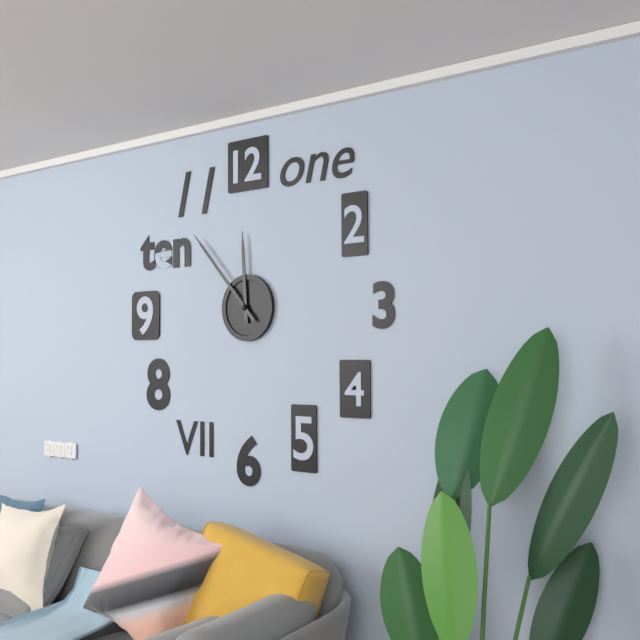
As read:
**11:53**
